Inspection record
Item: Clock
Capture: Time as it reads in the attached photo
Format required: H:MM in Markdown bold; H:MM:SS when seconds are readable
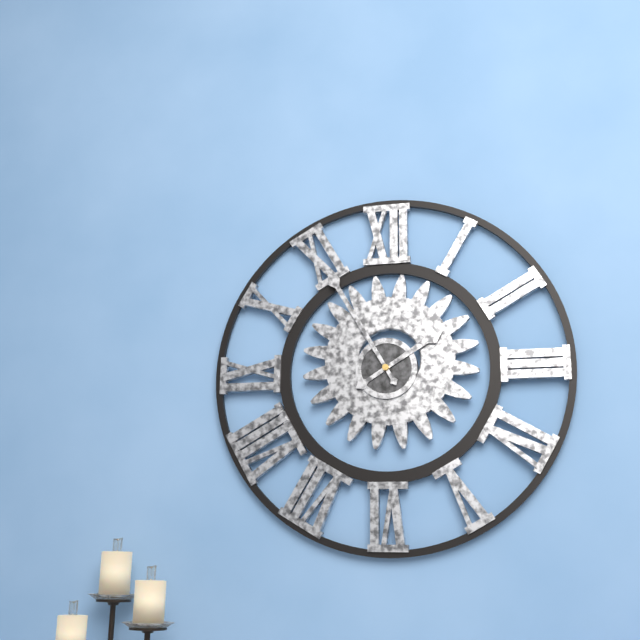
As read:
**1:55**
